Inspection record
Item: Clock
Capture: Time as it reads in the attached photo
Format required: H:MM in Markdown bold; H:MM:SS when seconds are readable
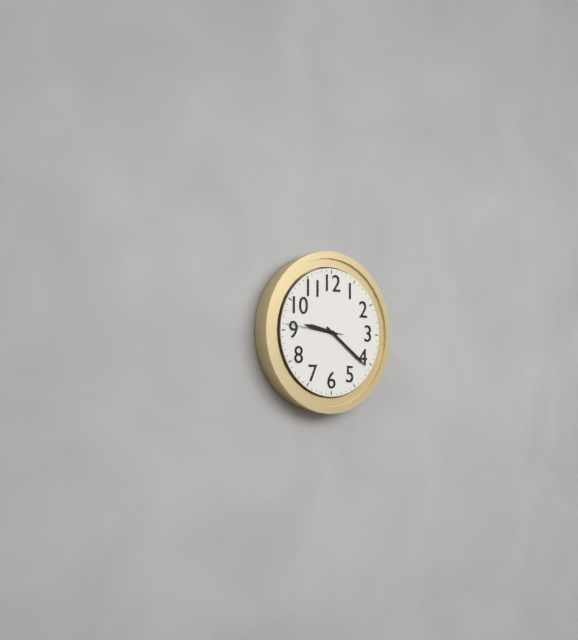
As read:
**9:21:46**
